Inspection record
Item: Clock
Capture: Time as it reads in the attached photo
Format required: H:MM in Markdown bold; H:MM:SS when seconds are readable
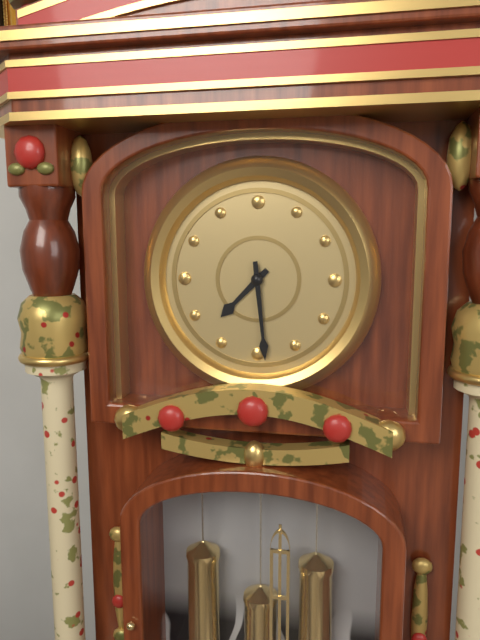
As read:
**7:29**
